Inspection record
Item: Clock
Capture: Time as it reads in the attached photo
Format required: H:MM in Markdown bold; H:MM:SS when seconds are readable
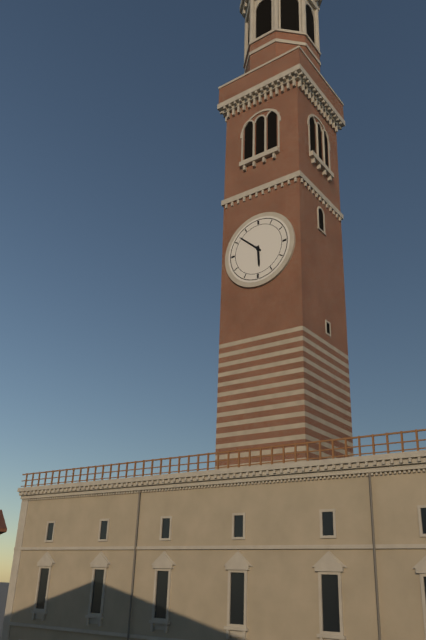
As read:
**5:52**
